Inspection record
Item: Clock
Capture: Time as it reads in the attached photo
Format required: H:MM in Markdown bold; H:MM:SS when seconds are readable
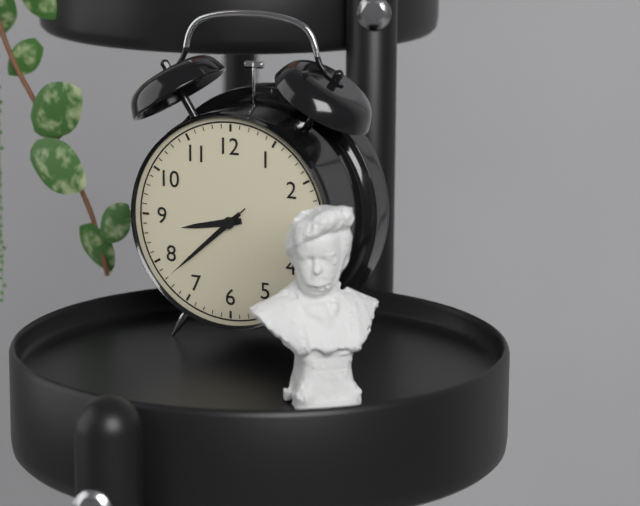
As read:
**8:38:38**
